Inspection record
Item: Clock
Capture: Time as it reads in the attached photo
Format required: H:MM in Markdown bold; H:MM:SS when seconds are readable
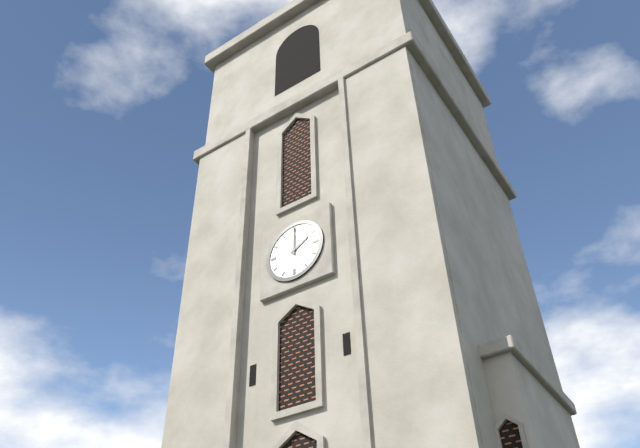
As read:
**2:00**
